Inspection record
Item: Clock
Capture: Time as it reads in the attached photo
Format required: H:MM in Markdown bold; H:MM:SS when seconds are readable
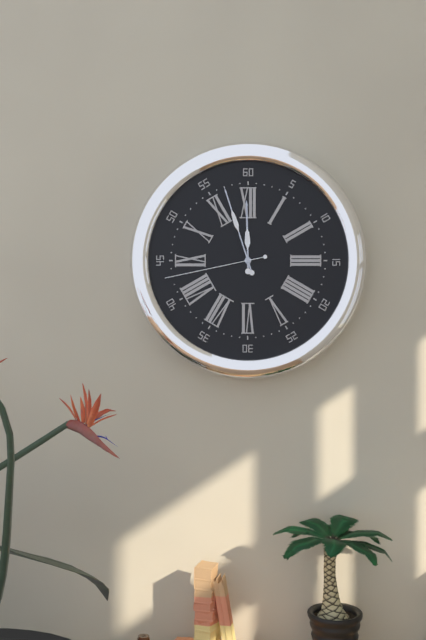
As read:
**11:57:43**
